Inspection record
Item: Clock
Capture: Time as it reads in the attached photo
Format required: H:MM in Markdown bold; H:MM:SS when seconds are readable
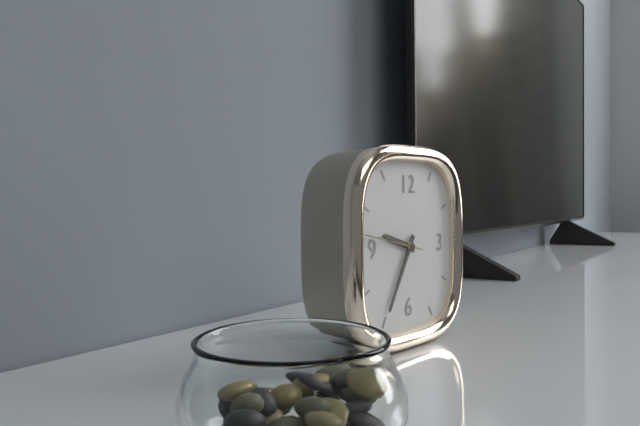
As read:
**9:35:47**
